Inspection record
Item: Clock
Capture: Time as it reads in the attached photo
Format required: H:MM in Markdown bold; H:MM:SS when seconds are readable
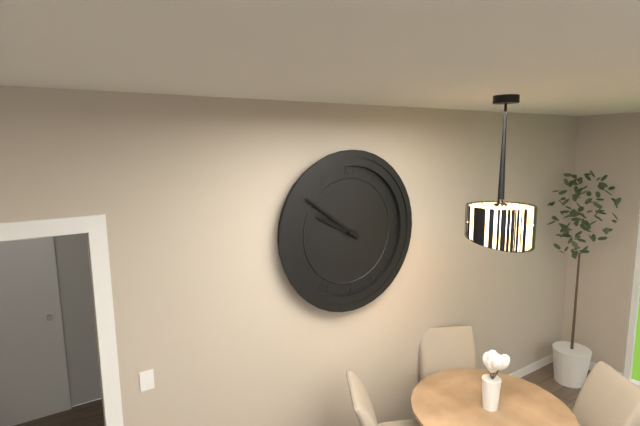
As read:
**9:51**
